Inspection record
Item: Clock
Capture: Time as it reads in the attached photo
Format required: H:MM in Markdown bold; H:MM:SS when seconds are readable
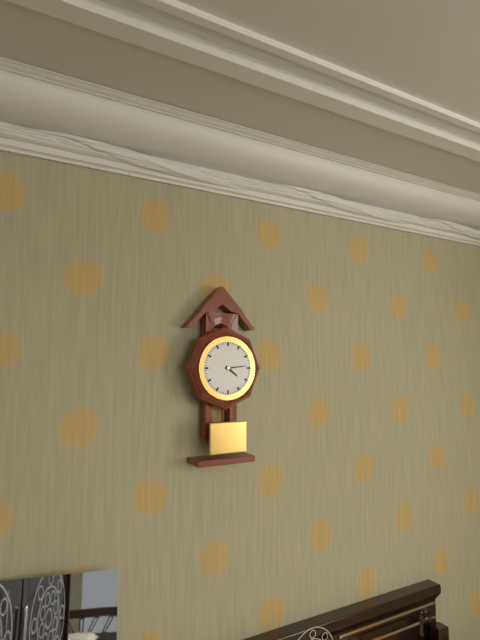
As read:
**4:14**
